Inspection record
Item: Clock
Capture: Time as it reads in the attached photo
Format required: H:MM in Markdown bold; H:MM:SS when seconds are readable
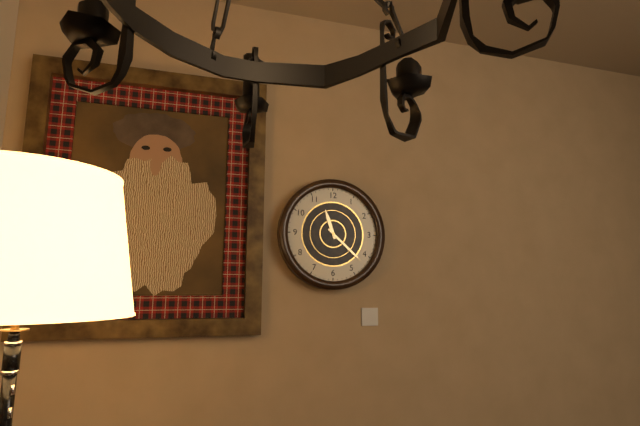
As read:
**11:22**
